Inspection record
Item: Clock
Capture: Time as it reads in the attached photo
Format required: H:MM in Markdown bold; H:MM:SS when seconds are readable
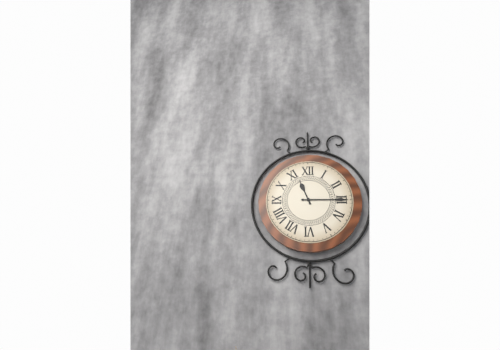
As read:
**11:15**
